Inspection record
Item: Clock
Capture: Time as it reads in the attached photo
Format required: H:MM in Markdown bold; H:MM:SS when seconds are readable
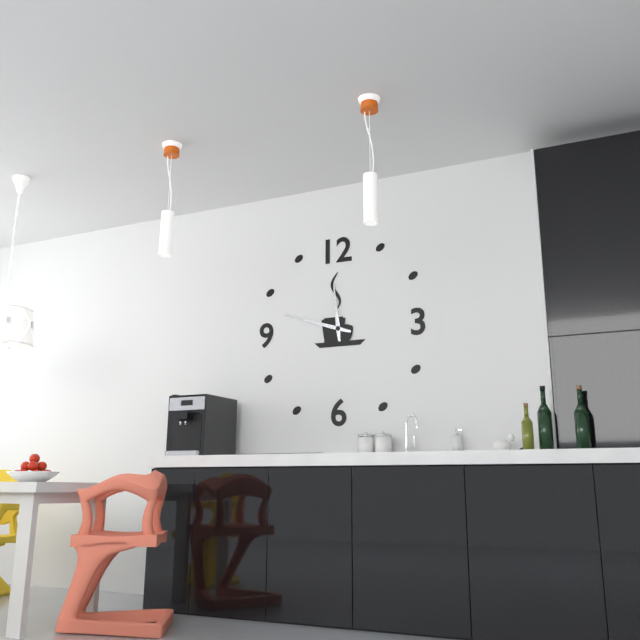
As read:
**11:48**
